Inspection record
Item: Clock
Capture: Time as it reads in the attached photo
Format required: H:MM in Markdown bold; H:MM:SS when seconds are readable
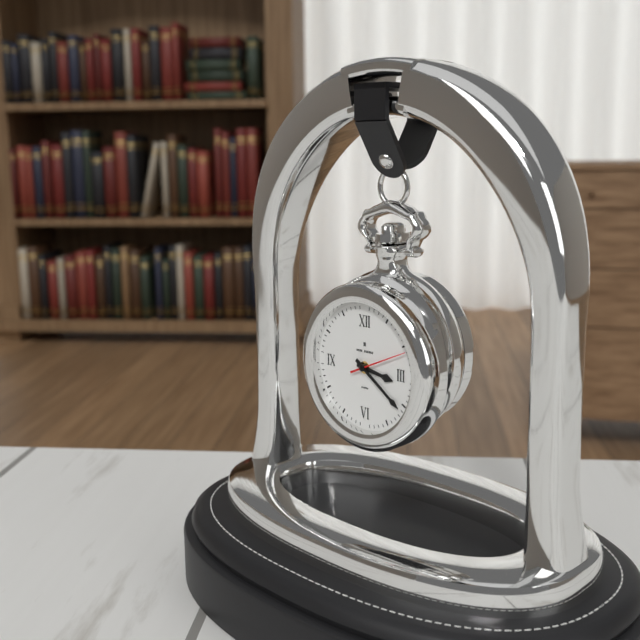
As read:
**3:21:11**
